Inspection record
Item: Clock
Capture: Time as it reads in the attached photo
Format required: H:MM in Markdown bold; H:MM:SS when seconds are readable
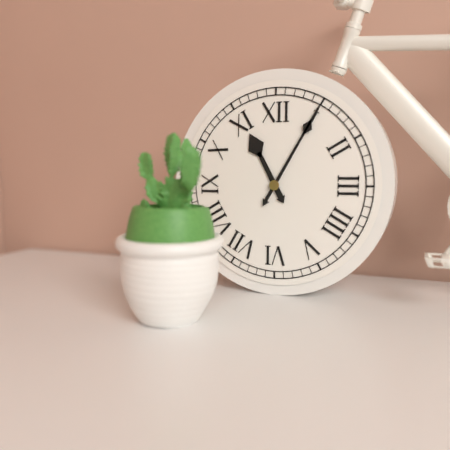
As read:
**11:05**
